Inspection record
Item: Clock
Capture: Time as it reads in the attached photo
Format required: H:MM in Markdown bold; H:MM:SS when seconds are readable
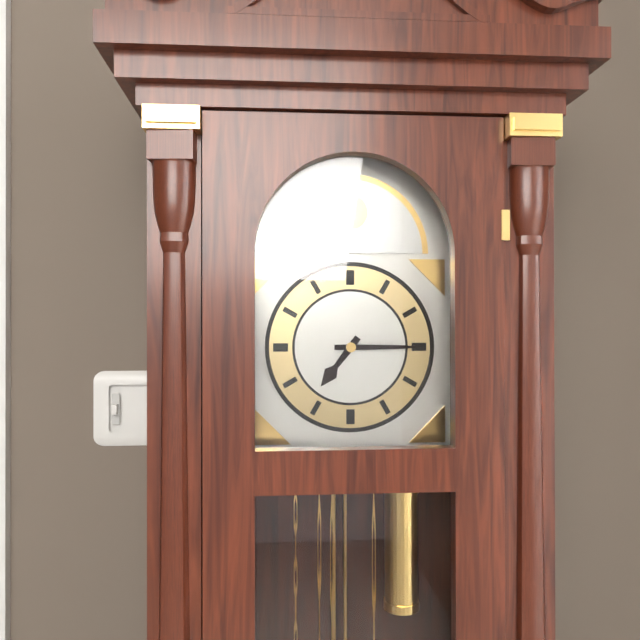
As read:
**7:15**
